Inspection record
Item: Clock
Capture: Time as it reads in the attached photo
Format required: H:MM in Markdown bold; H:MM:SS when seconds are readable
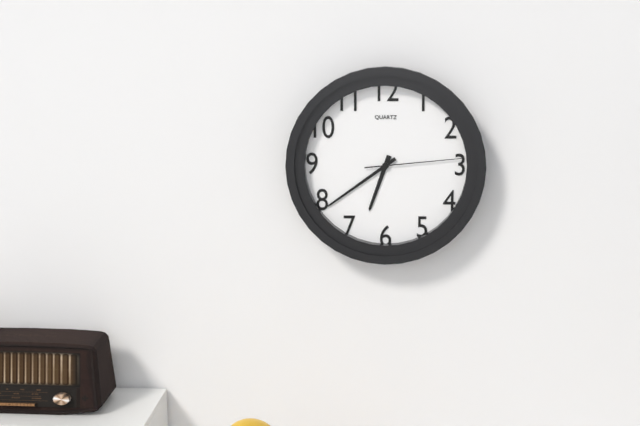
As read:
**6:39:14**
